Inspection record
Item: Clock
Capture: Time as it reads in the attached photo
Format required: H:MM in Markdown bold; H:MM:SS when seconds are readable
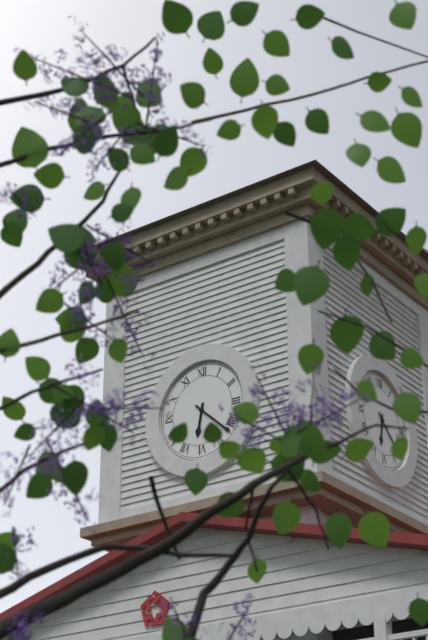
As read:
**6:22**
